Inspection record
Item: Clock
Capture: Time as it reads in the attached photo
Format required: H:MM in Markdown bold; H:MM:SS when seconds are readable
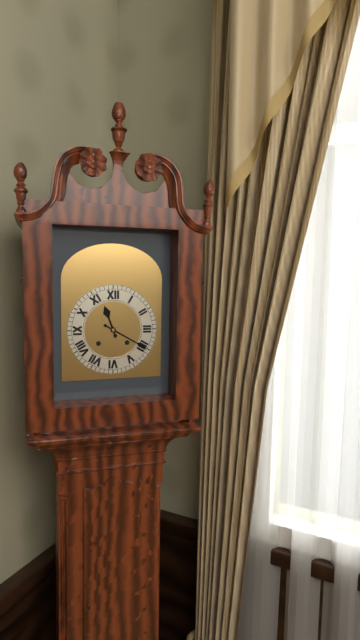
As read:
**11:20**
